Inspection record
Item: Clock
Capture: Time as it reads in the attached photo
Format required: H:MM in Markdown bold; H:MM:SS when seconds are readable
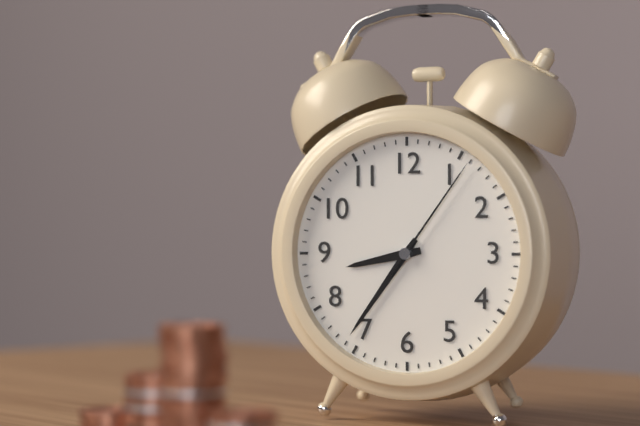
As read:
**8:36:06**
